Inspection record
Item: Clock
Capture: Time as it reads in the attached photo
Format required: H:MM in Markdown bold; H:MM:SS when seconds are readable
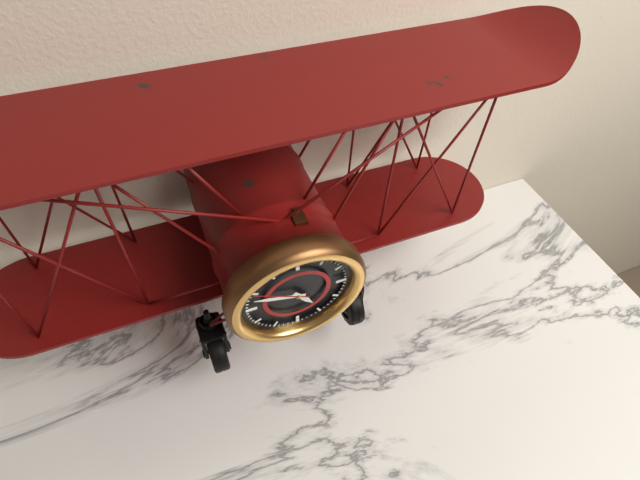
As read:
**4:48:50**
